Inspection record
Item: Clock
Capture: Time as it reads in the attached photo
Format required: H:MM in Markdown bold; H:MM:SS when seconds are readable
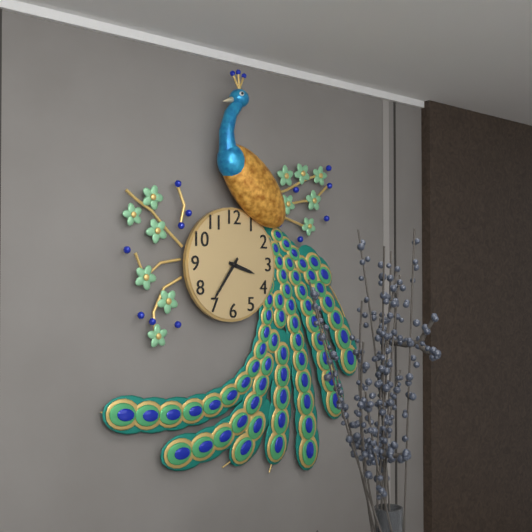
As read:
**3:36**
